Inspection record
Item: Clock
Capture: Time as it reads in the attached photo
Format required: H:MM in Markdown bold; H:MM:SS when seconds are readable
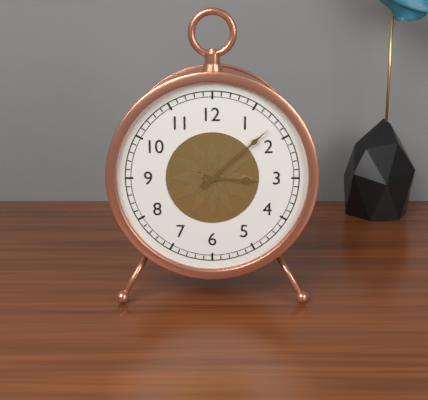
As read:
**3:08**
